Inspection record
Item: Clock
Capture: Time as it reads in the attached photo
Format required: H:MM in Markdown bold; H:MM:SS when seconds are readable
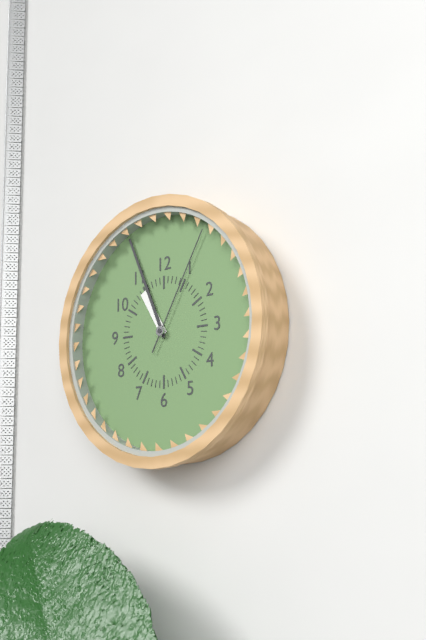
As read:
**10:56:05**
